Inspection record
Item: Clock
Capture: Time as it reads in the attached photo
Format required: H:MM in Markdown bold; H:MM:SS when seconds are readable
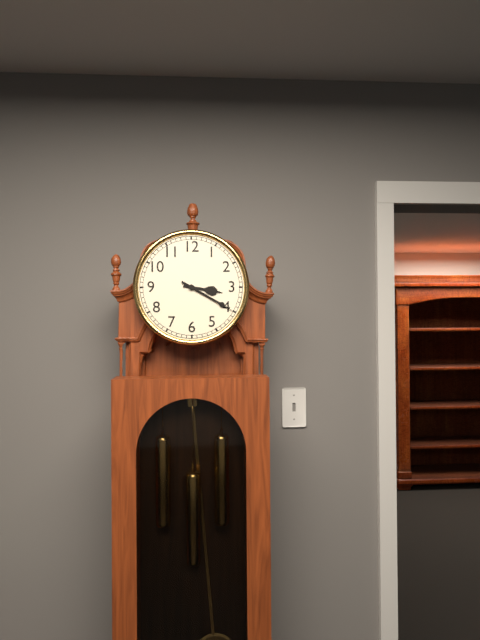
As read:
**3:20**
